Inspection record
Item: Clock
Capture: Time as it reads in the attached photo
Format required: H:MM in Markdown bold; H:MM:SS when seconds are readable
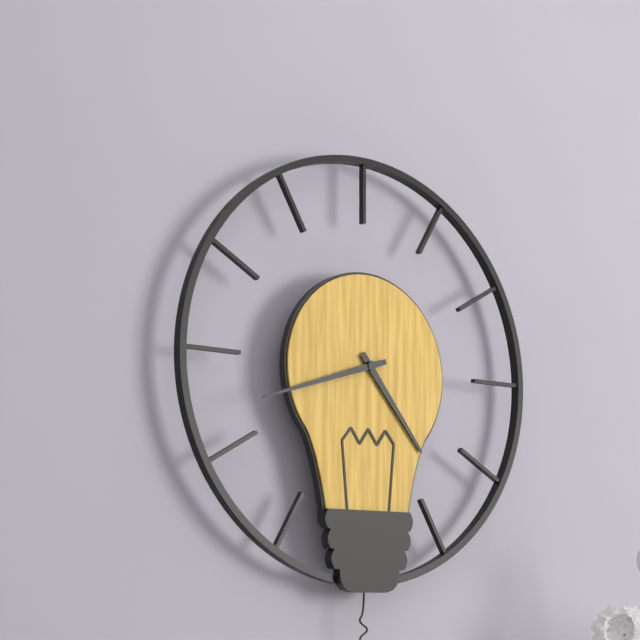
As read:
**4:42**
